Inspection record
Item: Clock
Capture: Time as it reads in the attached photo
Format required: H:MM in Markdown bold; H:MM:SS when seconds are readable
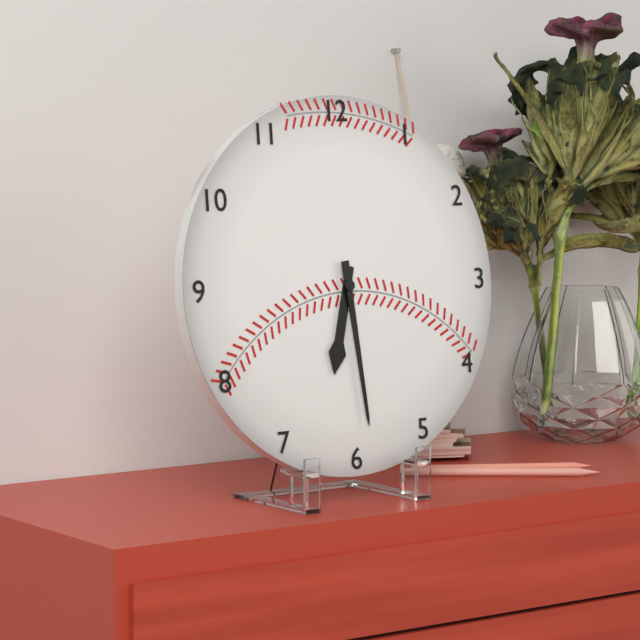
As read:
**6:29**
